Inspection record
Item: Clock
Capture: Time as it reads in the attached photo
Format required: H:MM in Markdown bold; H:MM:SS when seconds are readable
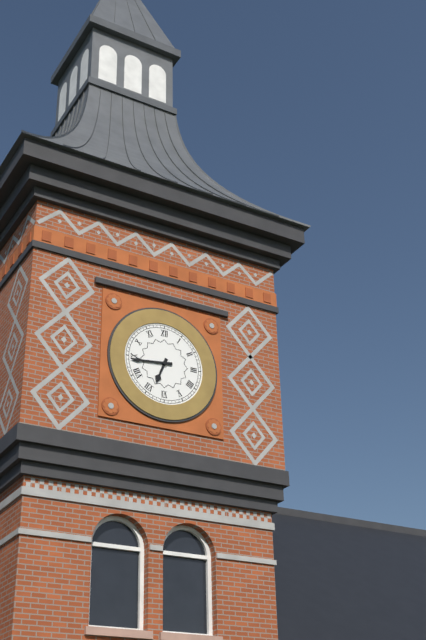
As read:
**6:44**
